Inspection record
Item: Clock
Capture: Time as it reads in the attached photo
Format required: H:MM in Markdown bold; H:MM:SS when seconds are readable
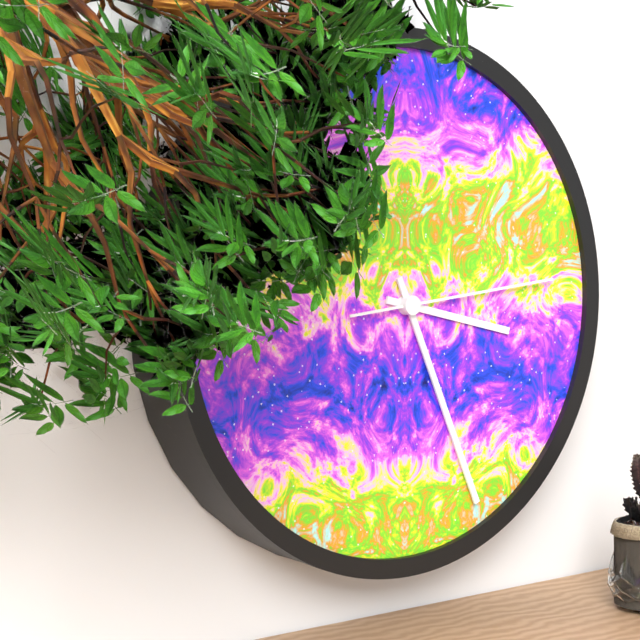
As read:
**3:26:14**
